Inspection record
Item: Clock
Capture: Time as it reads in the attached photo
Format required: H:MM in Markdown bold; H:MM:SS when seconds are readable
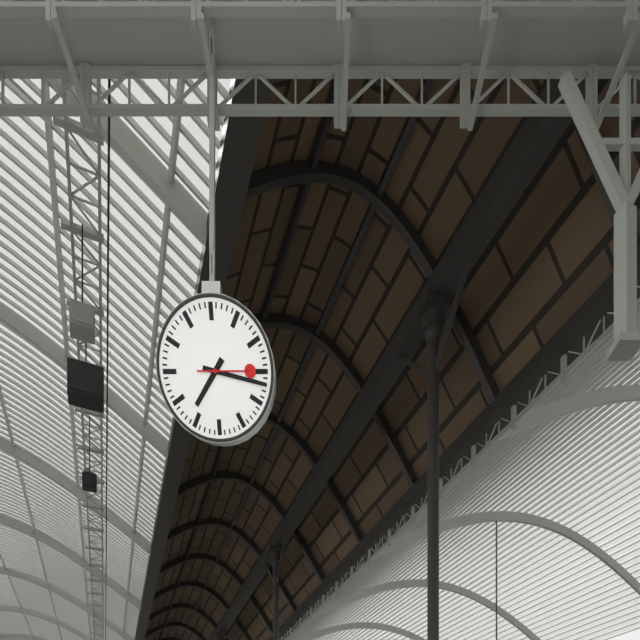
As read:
**7:17:15**
